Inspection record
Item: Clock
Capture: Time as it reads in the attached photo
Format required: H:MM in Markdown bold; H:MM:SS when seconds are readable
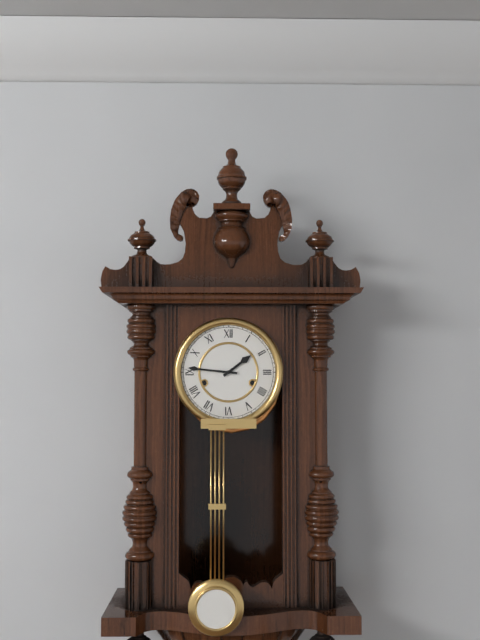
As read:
**1:46**
